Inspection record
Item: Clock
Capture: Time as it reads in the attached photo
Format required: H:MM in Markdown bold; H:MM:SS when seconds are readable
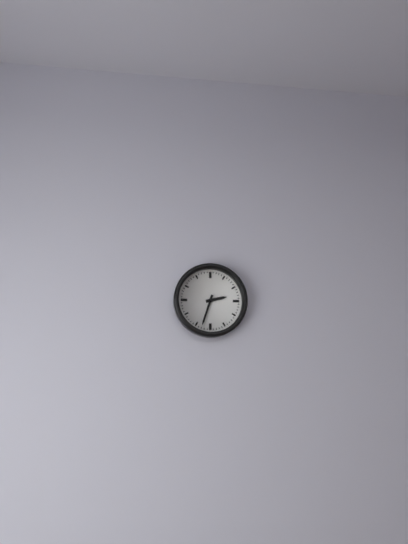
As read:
**2:33**
